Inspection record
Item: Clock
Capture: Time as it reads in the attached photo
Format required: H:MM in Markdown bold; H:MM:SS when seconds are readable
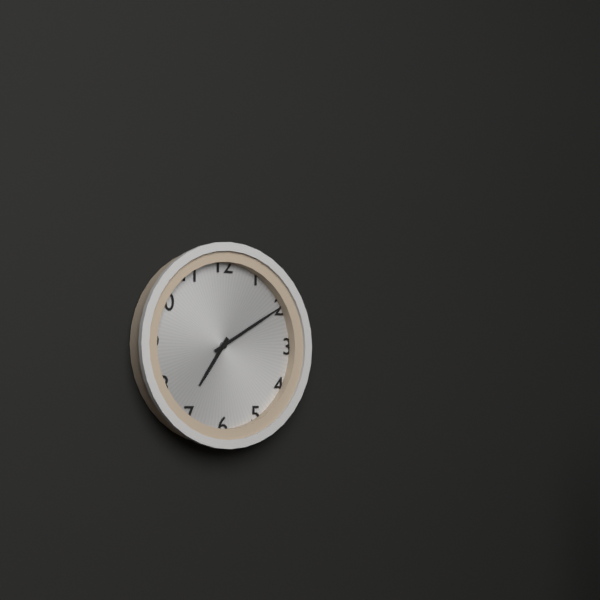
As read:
**7:10**
